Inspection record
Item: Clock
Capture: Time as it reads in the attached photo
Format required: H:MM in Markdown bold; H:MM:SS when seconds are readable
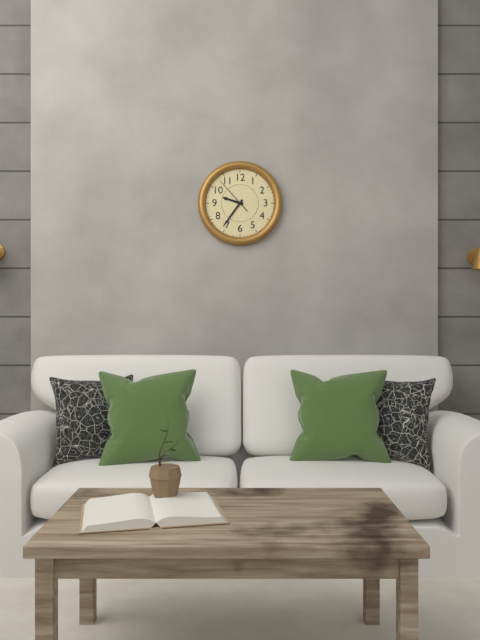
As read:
**9:36**
